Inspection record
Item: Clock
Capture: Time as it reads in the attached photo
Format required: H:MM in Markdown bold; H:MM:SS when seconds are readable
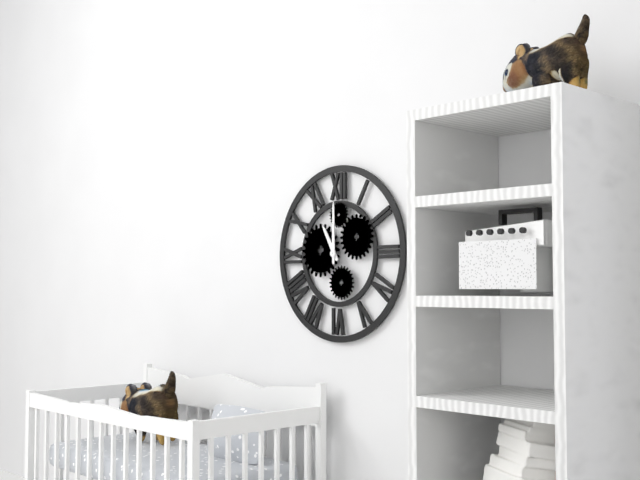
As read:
**11:00**
